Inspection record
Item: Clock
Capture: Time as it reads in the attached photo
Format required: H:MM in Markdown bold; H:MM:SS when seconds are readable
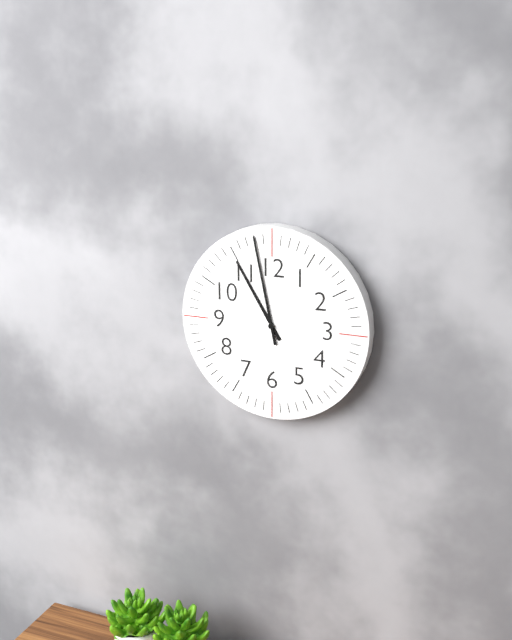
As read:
**10:58**
